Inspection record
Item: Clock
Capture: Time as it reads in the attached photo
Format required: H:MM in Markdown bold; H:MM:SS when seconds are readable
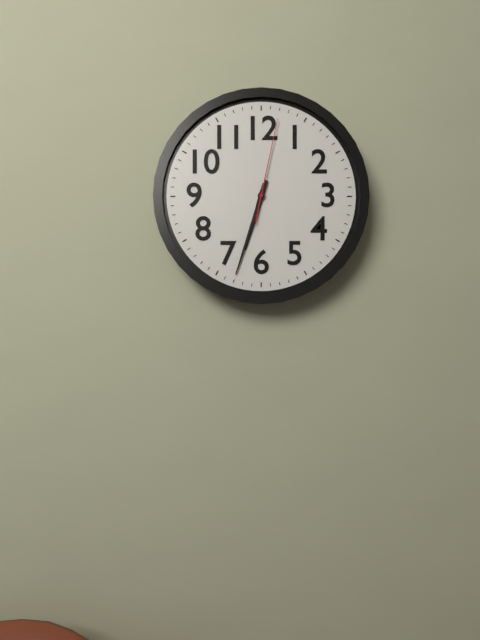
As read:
**6:33:02**
